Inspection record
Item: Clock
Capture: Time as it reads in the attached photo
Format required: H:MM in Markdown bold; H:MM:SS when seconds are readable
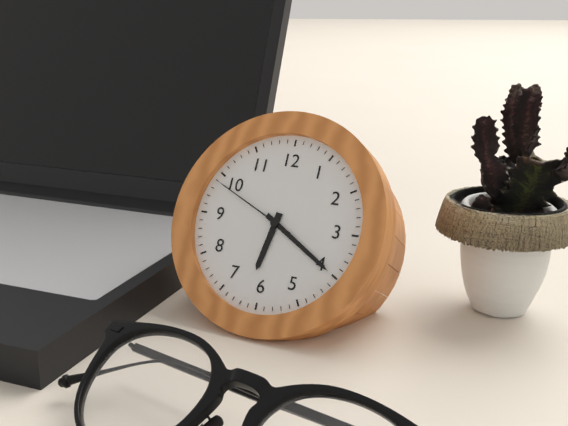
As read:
**6:20:49**
